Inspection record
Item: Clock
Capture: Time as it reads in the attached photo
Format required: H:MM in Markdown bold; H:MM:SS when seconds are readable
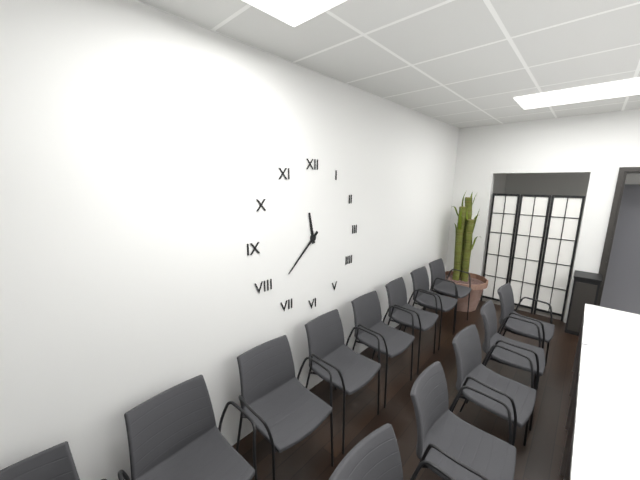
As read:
**11:38**
